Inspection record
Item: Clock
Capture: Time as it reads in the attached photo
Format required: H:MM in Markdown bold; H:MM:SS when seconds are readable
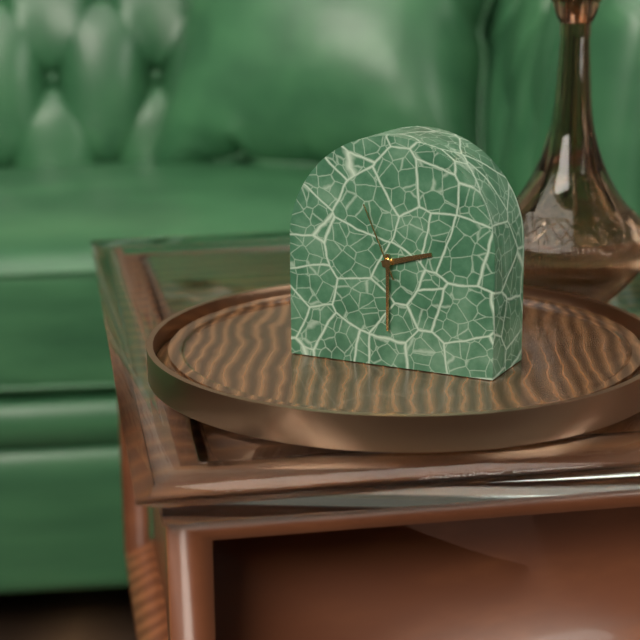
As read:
**2:30:56**
